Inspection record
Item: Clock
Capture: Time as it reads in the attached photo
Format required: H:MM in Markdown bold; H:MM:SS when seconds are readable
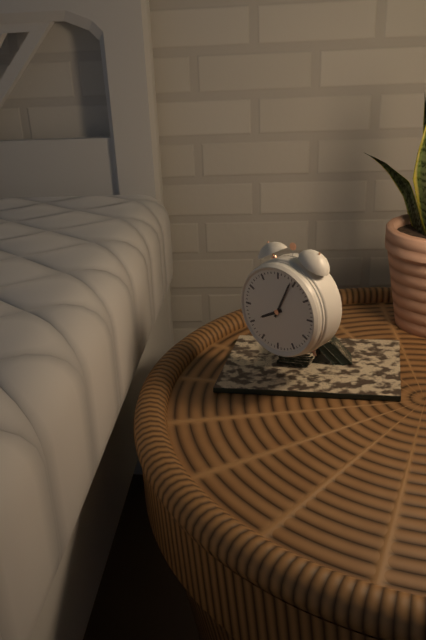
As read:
**8:04**
